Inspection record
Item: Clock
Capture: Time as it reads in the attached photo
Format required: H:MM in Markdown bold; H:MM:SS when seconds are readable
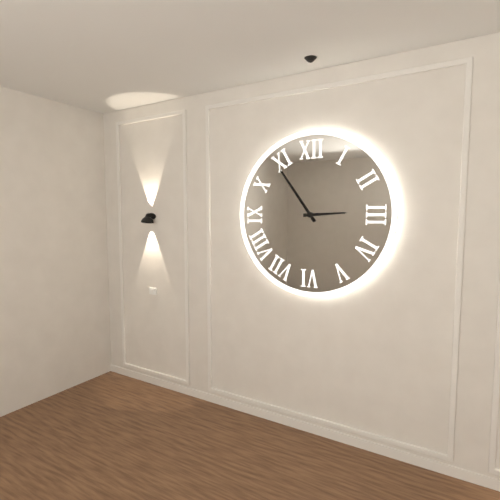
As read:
**2:54**
